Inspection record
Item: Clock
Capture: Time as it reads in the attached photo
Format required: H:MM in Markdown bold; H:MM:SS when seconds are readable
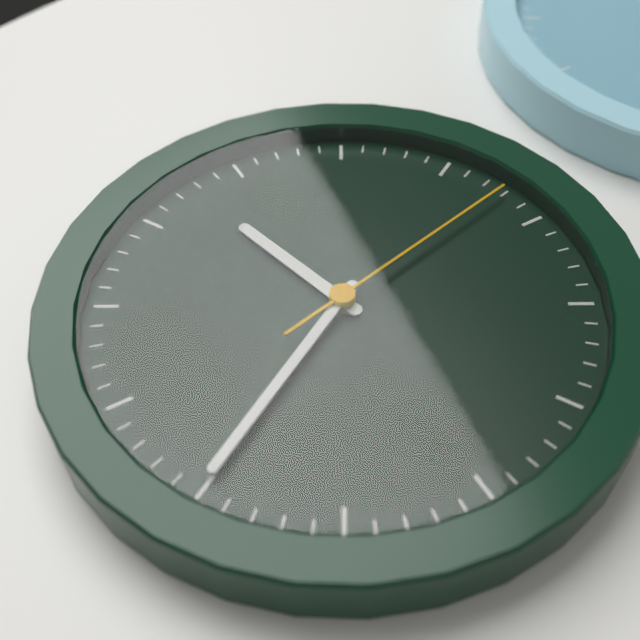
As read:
**9:30:03**
